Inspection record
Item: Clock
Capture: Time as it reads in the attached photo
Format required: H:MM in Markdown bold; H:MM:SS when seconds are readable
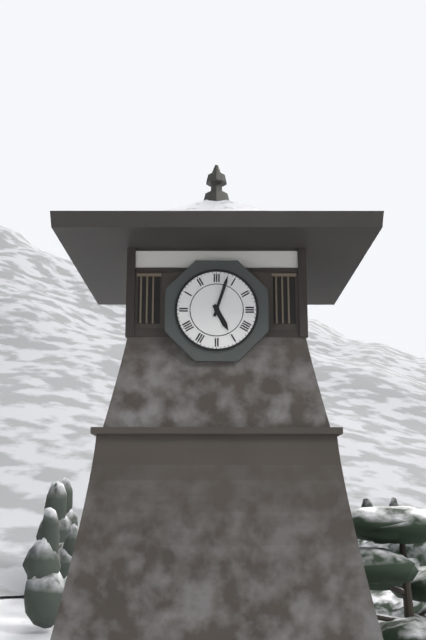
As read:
**5:03**
